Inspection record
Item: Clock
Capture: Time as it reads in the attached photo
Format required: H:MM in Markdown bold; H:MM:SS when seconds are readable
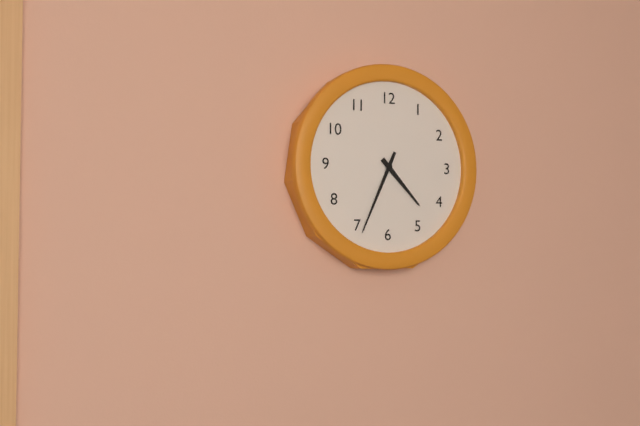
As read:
**4:34**
